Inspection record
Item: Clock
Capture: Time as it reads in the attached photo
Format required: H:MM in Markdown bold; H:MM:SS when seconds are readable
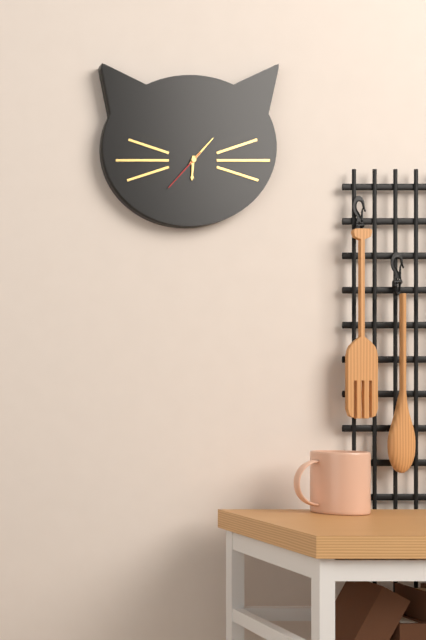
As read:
**6:07**
